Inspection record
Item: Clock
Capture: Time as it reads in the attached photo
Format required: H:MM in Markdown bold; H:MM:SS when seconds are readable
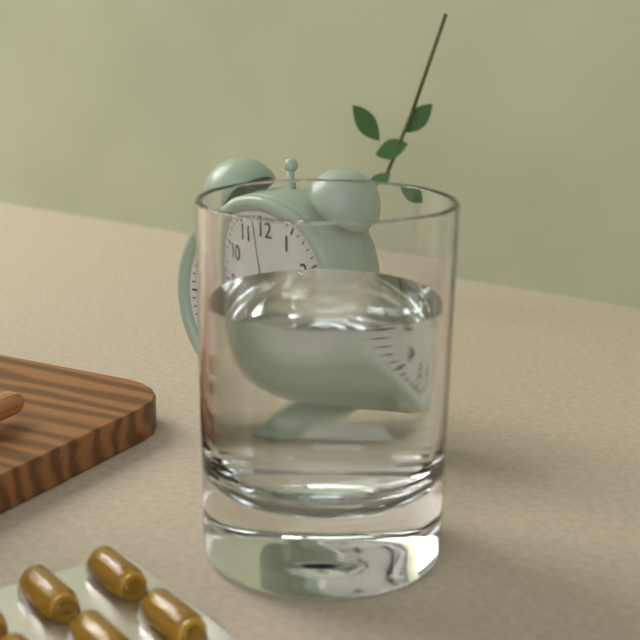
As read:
**7:45:58**
